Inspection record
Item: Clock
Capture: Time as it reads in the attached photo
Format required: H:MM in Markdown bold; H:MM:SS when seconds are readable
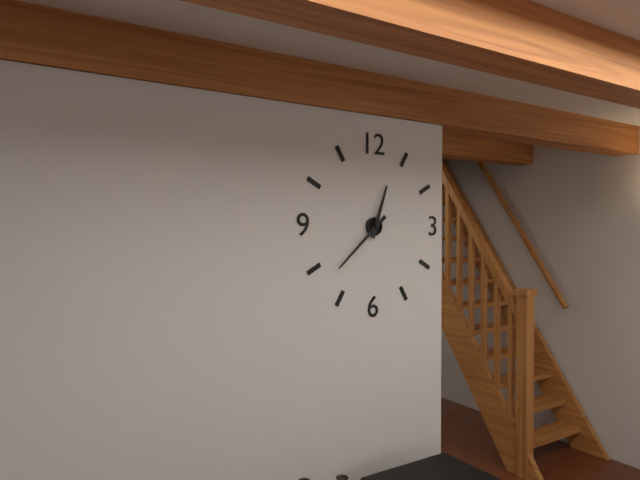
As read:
**12:38**
